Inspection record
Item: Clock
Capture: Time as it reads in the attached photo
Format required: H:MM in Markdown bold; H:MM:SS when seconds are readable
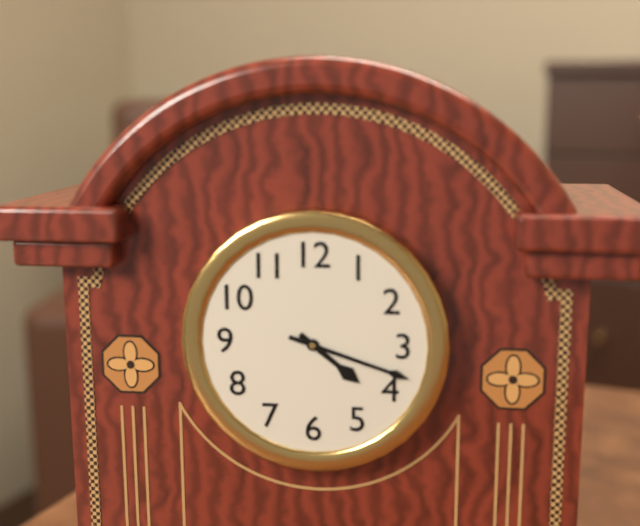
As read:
**4:18**
